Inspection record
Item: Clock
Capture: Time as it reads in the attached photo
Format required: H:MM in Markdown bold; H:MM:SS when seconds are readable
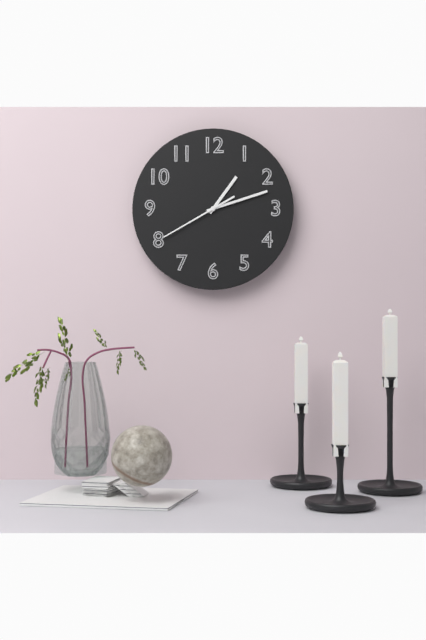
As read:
**1:12:40**
